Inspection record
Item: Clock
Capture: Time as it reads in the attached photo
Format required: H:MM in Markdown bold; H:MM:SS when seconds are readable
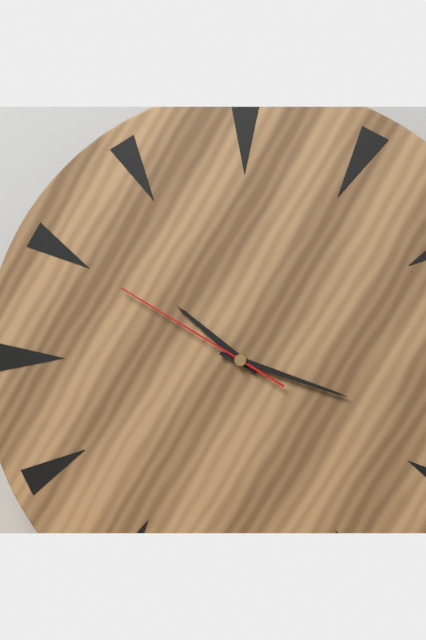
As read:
**10:18:50**
